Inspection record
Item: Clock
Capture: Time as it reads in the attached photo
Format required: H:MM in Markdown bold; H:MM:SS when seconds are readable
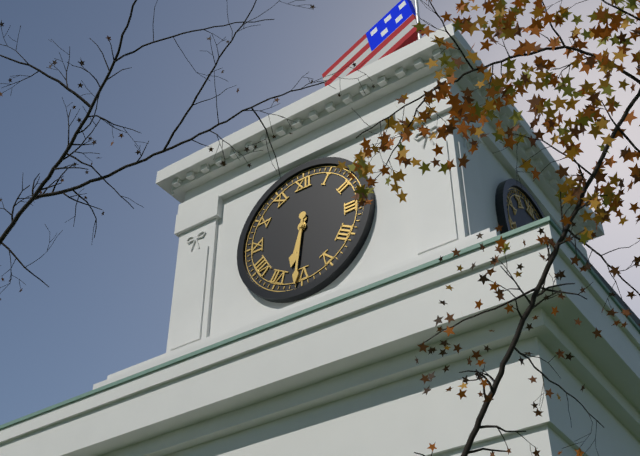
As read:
**6:31**
